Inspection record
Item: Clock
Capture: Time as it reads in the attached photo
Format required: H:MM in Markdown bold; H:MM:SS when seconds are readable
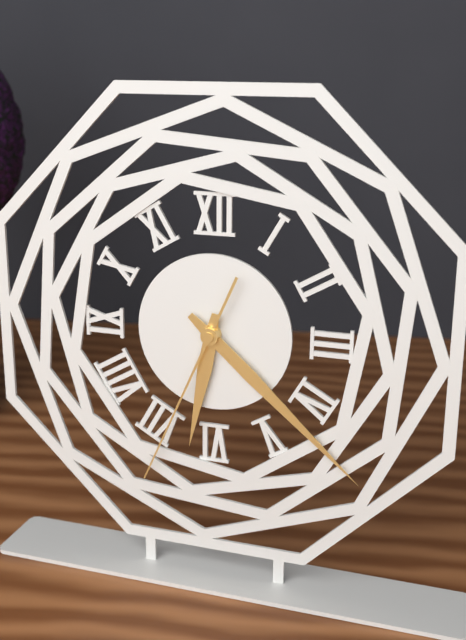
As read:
**6:22:34**
